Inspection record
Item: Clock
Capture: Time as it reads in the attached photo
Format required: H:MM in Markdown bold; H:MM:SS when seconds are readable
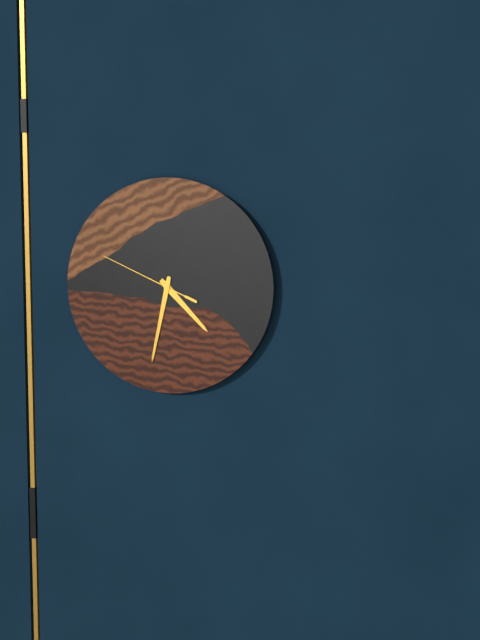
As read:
**4:32:49**
